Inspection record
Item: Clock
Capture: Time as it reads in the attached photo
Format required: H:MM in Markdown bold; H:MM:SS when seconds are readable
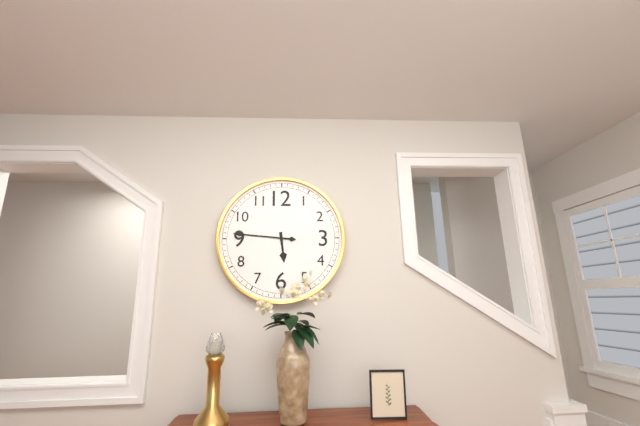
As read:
**5:46**
